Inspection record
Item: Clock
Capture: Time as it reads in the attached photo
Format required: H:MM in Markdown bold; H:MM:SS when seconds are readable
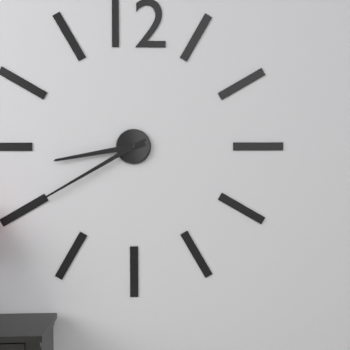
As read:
**8:40**
